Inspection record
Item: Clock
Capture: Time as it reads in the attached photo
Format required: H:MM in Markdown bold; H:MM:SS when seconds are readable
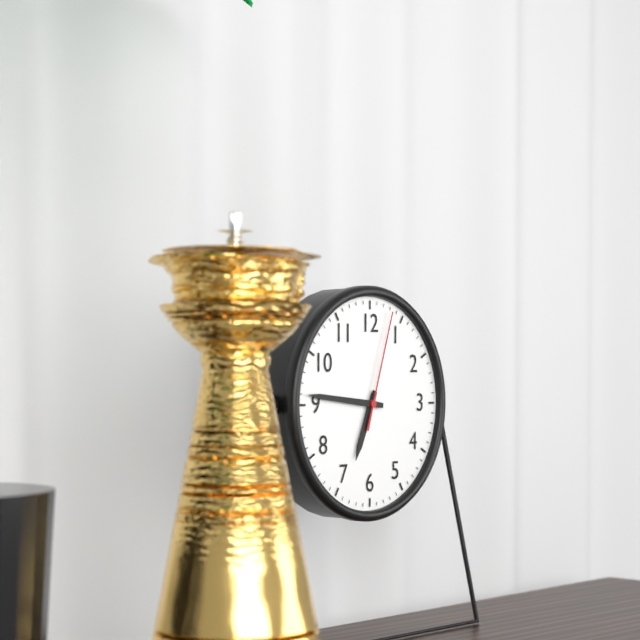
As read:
**6:46:03**
